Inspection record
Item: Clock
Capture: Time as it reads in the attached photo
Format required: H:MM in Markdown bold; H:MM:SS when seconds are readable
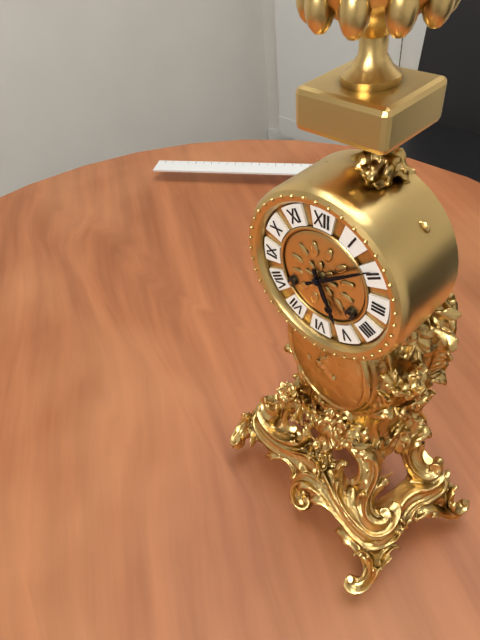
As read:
**5:09**
